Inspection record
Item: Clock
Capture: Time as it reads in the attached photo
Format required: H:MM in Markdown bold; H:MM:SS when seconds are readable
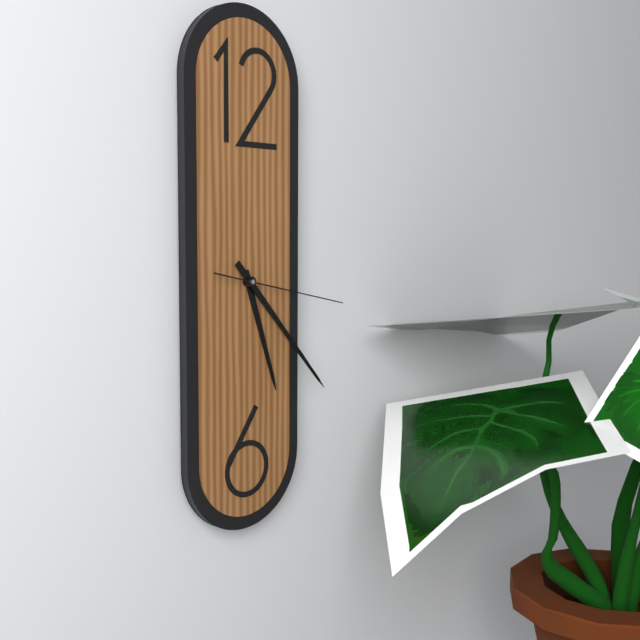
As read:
**5:23:17**
